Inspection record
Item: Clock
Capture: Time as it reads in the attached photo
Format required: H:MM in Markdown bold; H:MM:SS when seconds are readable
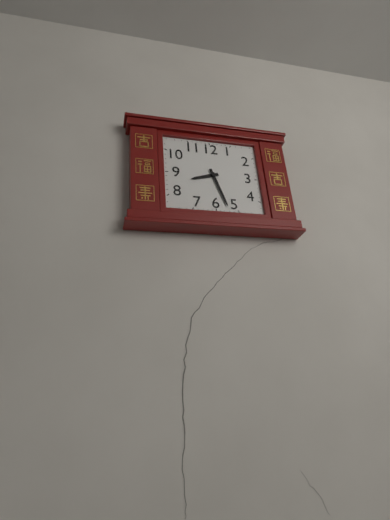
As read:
**8:27**
